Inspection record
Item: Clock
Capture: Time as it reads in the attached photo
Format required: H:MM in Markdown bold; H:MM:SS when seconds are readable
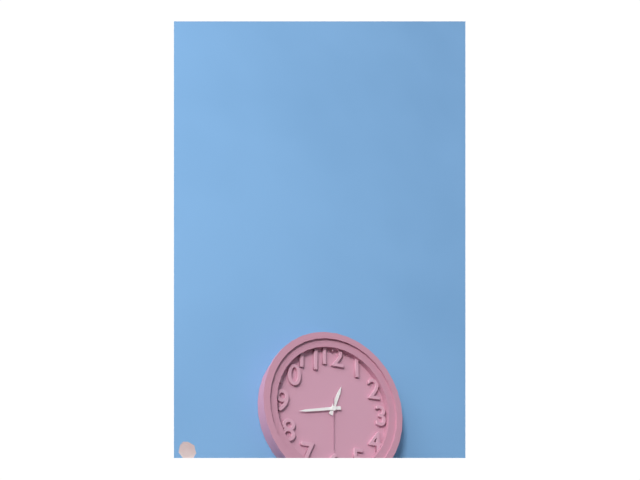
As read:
**12:43:30**
